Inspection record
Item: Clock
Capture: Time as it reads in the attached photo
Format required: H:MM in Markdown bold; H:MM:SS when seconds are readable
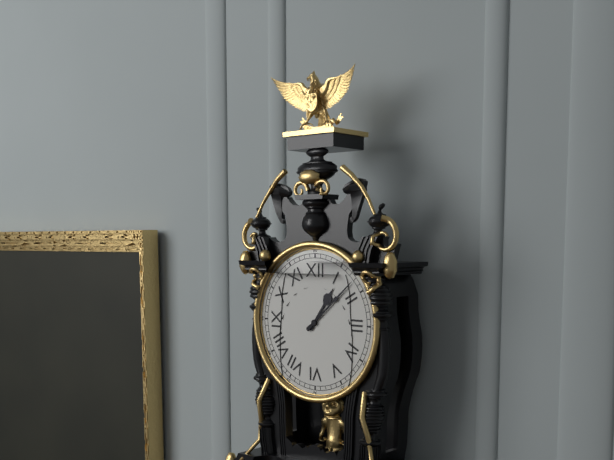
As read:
**1:08**
